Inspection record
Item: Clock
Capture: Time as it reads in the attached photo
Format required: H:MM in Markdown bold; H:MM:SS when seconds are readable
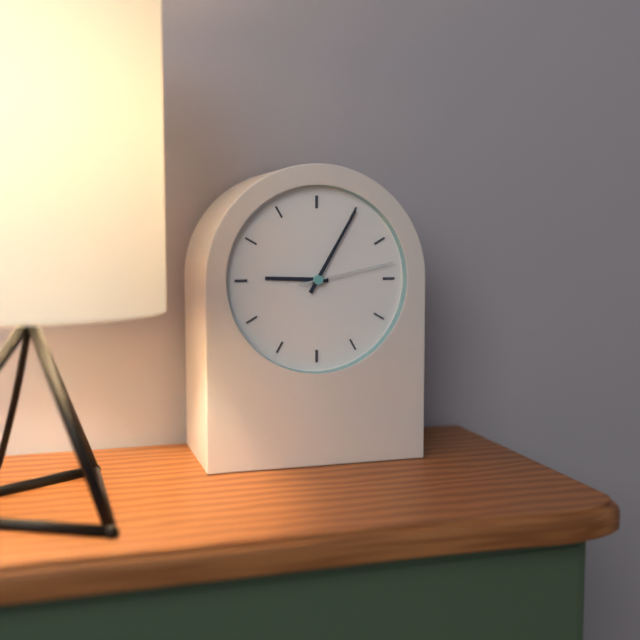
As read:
**9:05:13**
